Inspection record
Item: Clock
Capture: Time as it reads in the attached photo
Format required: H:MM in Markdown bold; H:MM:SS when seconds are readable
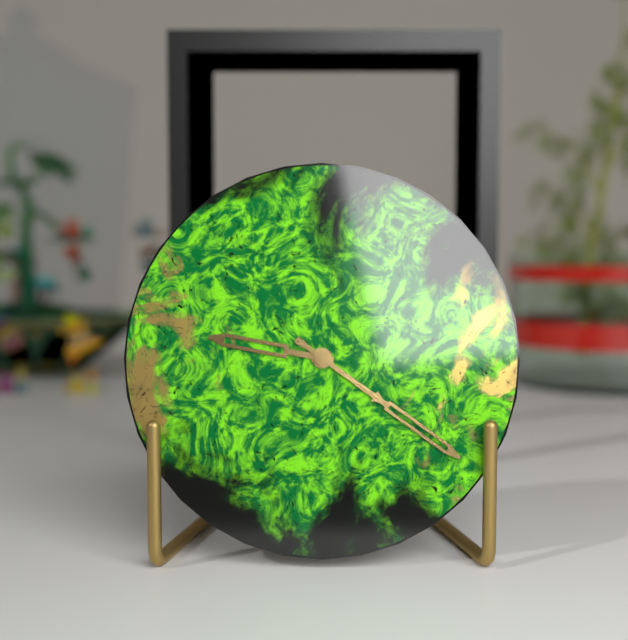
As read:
**9:21**
